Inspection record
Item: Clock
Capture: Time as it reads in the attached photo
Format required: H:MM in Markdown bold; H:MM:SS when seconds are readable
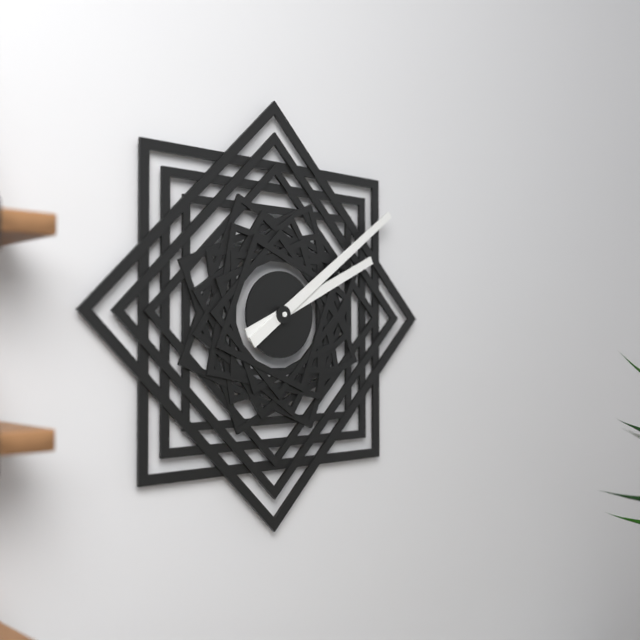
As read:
**2:09**
